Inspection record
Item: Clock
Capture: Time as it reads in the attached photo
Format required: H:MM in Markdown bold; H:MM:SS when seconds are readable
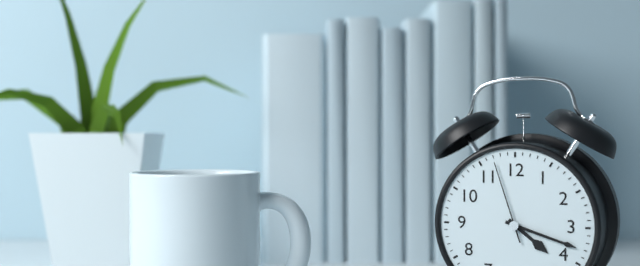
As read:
**4:18:57**
